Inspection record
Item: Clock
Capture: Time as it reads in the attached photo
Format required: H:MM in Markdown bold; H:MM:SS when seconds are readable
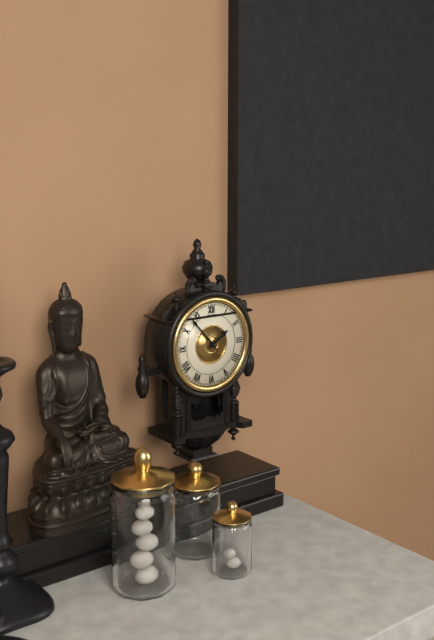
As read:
**1:53**
